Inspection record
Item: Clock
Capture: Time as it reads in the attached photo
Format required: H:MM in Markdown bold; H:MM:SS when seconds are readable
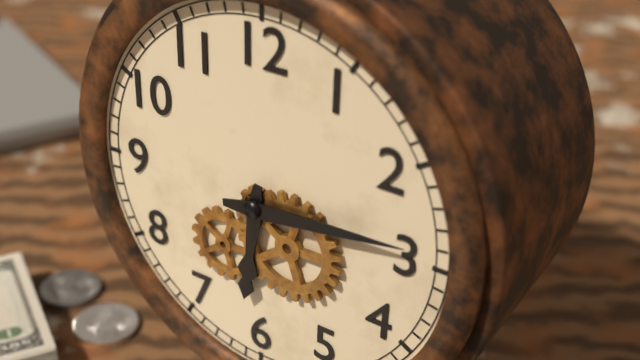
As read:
**6:14**
